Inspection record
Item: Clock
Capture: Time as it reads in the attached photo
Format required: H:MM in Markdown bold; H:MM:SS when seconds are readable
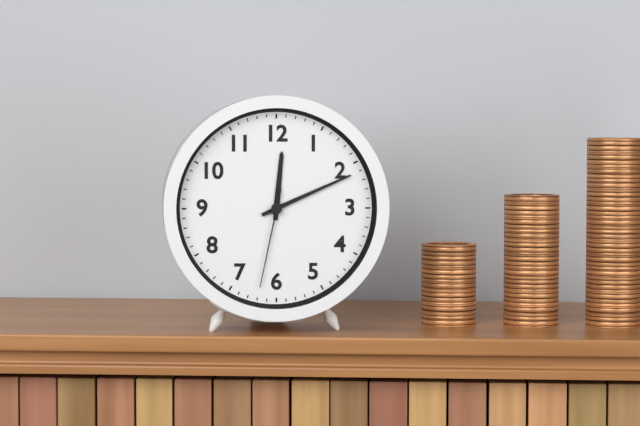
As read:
**12:11:32**
